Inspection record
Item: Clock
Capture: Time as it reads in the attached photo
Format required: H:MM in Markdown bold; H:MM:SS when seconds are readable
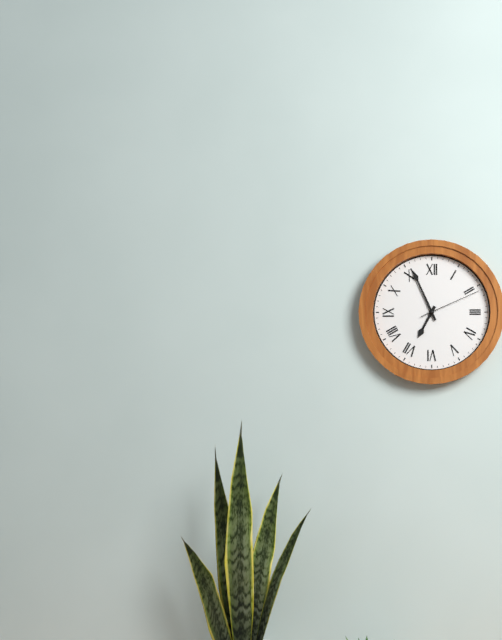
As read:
**6:56:11**
